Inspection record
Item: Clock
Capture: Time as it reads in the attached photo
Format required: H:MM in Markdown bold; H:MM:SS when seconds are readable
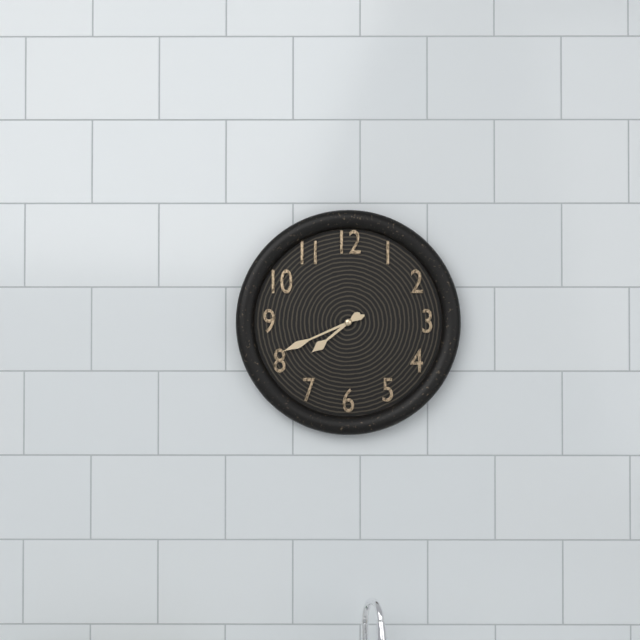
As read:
**7:41**
